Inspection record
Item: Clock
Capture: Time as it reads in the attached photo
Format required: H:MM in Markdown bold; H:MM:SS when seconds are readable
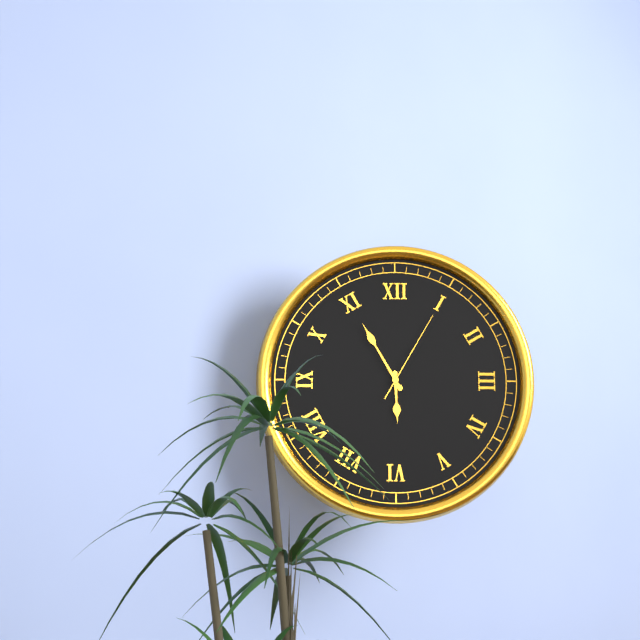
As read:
**5:55:05**
